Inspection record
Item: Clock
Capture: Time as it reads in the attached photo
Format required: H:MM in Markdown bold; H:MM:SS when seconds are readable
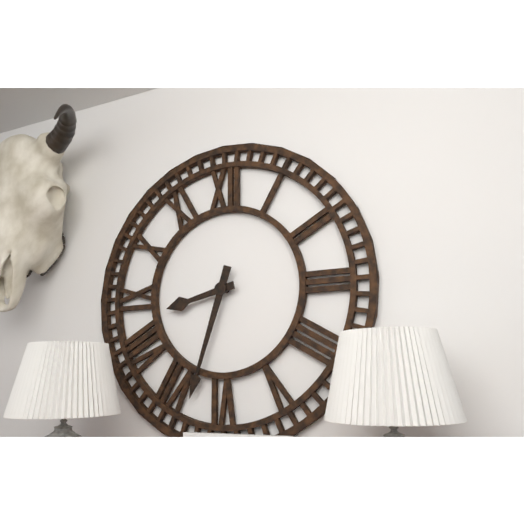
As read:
**8:33**
